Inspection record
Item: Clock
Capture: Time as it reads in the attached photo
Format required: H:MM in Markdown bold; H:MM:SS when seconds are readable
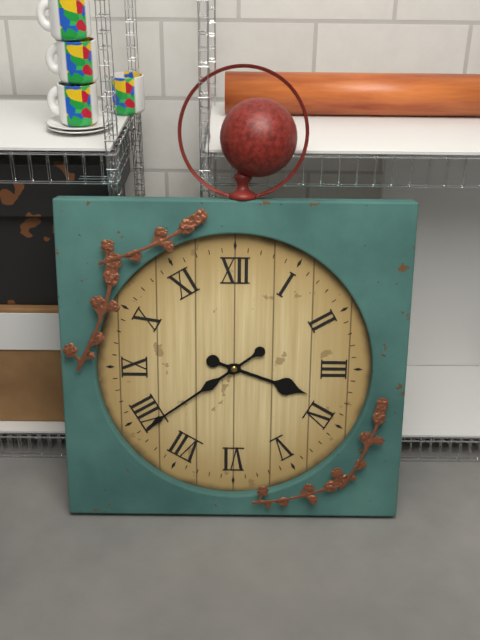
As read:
**3:39**
